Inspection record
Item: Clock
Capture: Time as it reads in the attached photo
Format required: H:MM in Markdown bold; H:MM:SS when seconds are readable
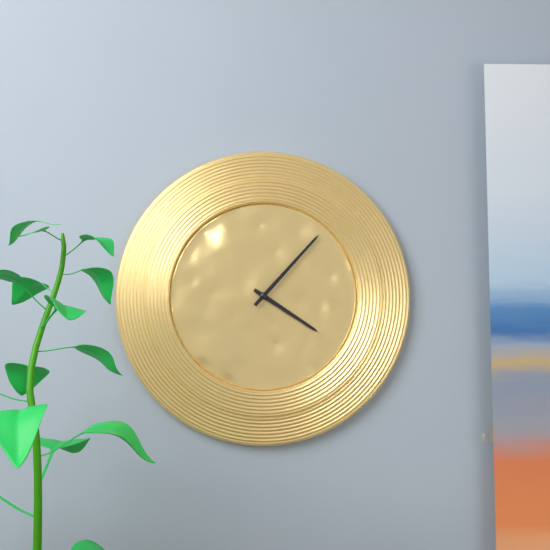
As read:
**4:07**
